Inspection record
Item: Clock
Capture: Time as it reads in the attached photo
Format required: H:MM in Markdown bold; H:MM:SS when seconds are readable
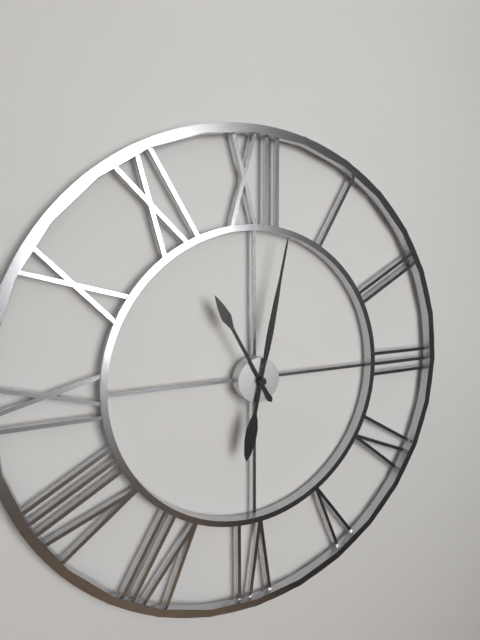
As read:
**11:02**
